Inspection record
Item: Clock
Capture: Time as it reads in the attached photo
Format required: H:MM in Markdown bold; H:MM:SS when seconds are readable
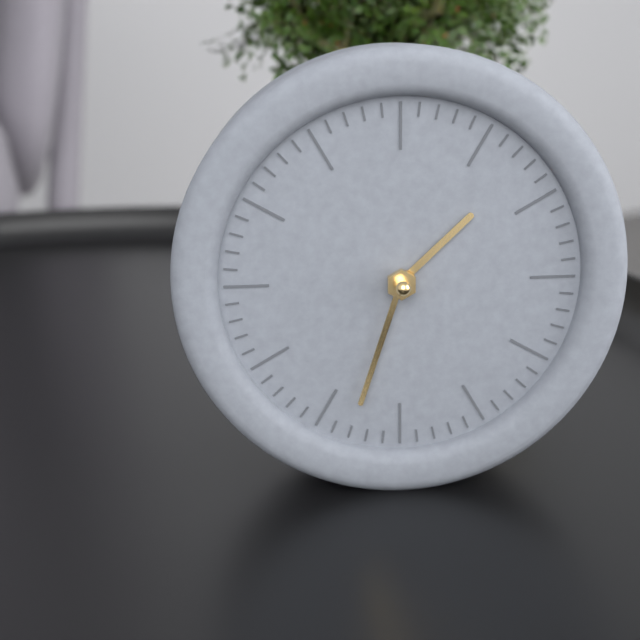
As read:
**1:33**
